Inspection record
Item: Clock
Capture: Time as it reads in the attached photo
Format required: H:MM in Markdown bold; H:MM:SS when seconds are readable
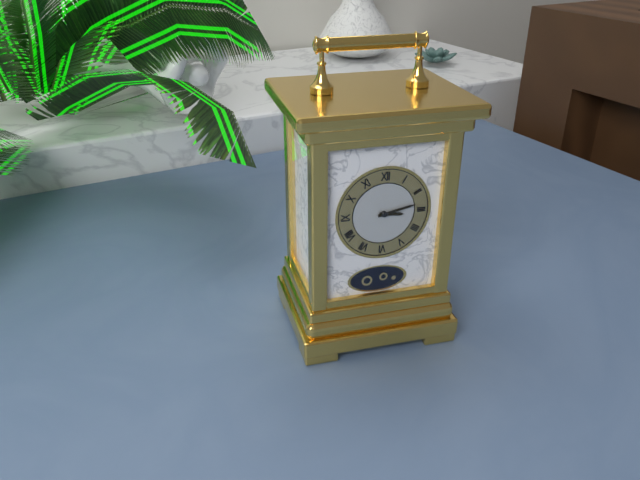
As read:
**3:13**
